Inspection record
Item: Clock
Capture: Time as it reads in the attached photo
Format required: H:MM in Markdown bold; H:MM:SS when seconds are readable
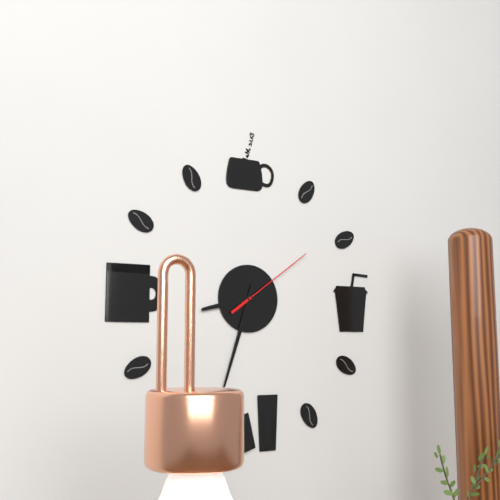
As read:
**8:33:09**
